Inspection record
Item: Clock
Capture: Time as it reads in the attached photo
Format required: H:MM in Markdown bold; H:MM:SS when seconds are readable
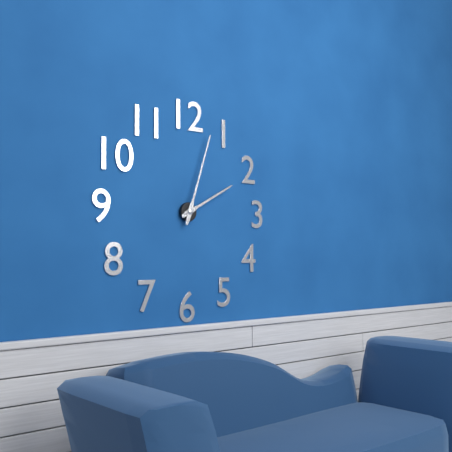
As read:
**2:03**
